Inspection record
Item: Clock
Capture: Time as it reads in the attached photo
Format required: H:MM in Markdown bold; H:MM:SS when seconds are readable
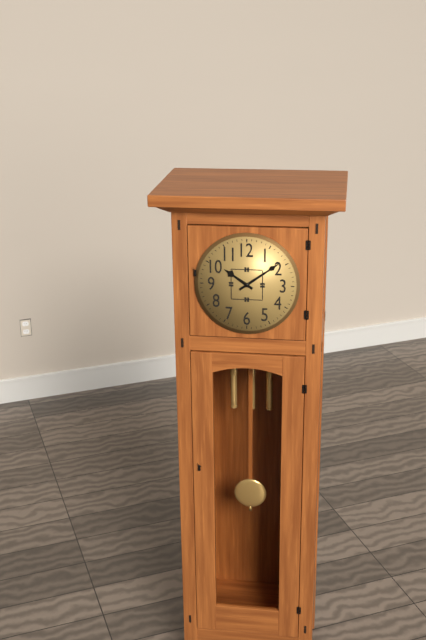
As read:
**10:09**
